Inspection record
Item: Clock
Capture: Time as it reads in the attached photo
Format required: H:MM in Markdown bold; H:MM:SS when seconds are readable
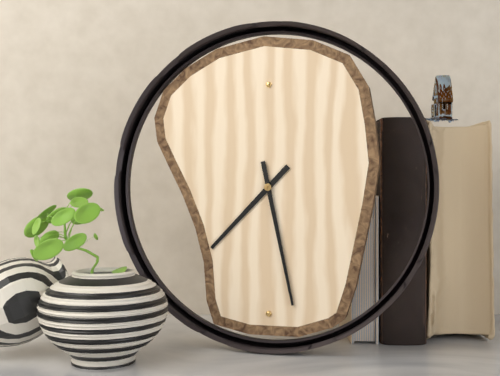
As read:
**7:28**
